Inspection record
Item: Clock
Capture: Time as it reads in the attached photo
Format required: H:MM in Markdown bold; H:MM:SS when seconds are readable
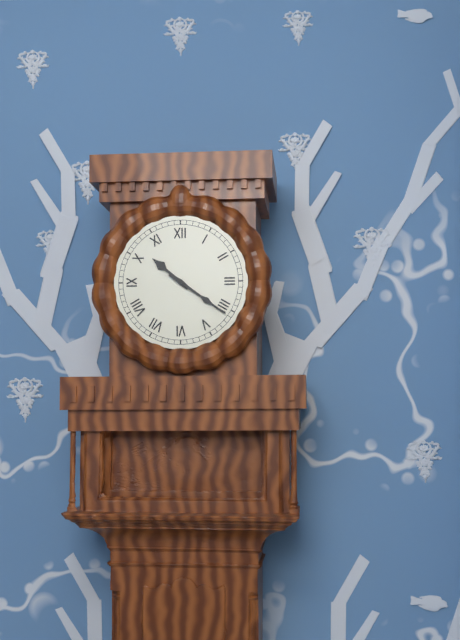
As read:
**10:21**
